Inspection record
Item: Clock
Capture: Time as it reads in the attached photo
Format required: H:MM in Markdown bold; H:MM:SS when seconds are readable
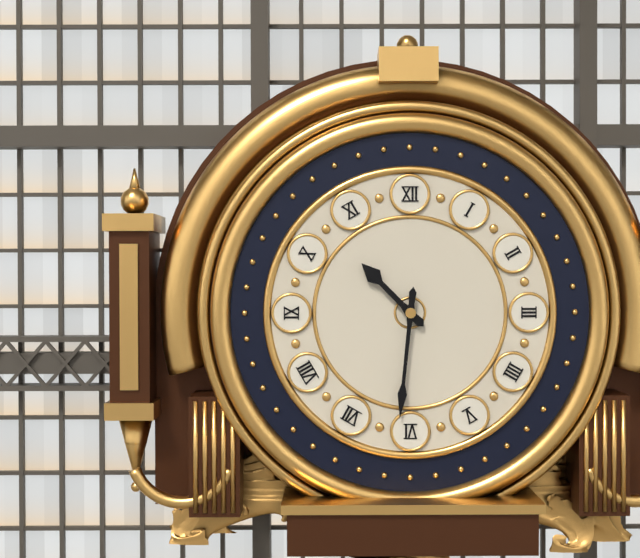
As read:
**10:31**
